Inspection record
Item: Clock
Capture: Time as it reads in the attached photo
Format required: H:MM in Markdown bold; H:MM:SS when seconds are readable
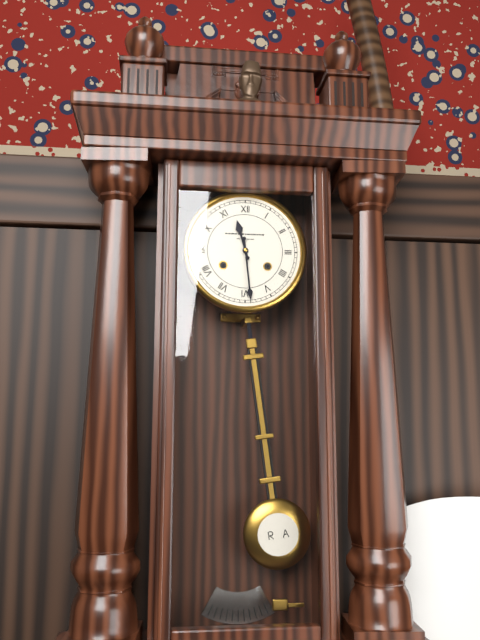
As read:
**11:29**
